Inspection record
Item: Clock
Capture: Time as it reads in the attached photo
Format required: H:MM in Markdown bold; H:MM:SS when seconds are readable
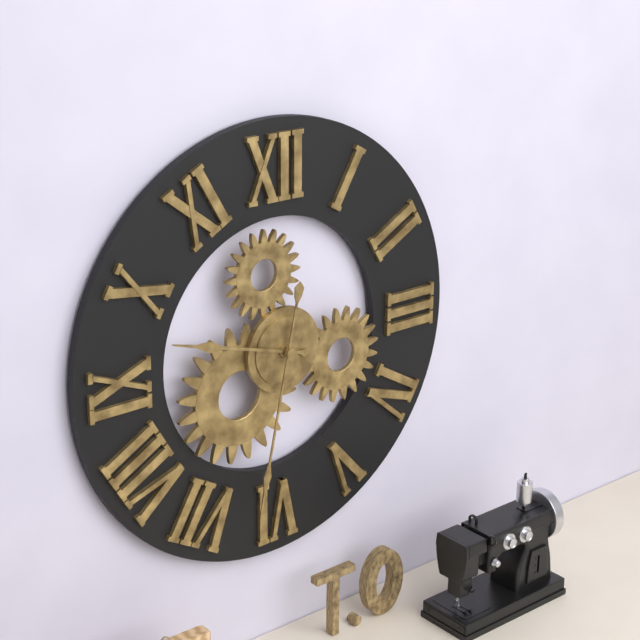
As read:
**9:32**
